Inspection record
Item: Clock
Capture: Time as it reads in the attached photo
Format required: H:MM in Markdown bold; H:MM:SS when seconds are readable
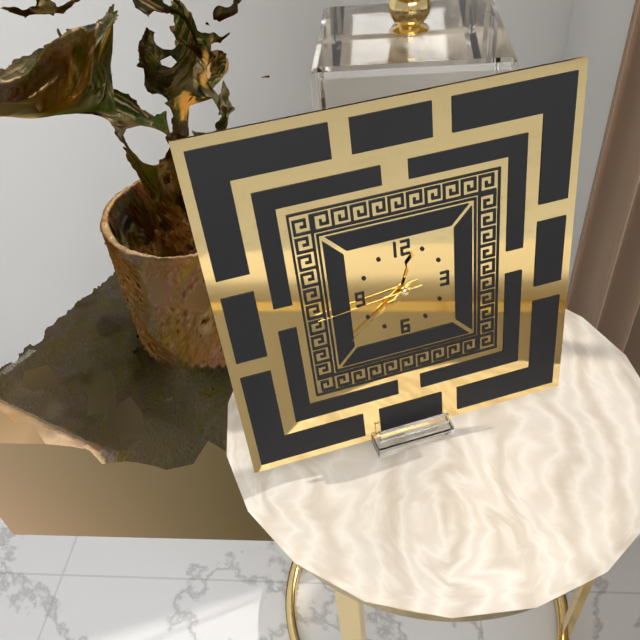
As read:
**12:39:44**
